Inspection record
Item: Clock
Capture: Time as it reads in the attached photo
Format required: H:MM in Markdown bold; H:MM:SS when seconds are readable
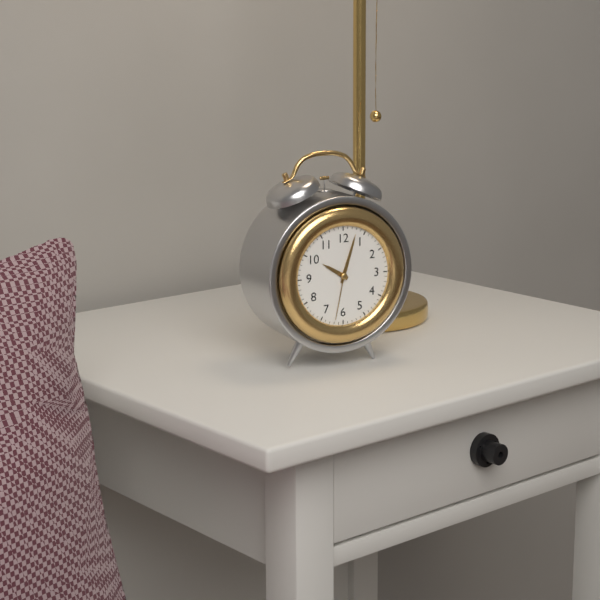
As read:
**10:03:32**
